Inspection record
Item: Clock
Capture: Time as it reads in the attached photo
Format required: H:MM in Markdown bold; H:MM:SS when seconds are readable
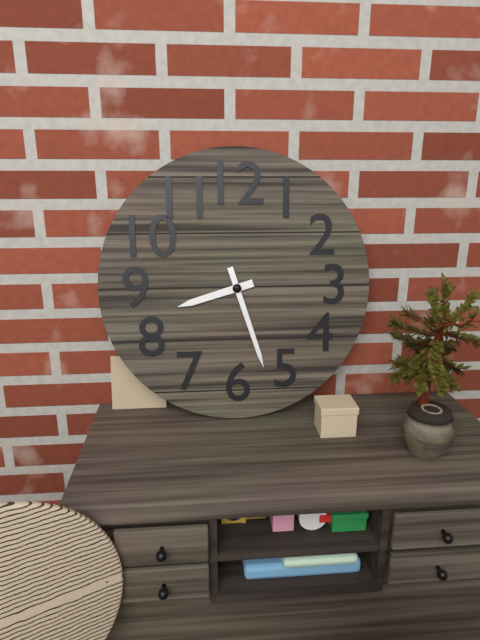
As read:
**8:27**
